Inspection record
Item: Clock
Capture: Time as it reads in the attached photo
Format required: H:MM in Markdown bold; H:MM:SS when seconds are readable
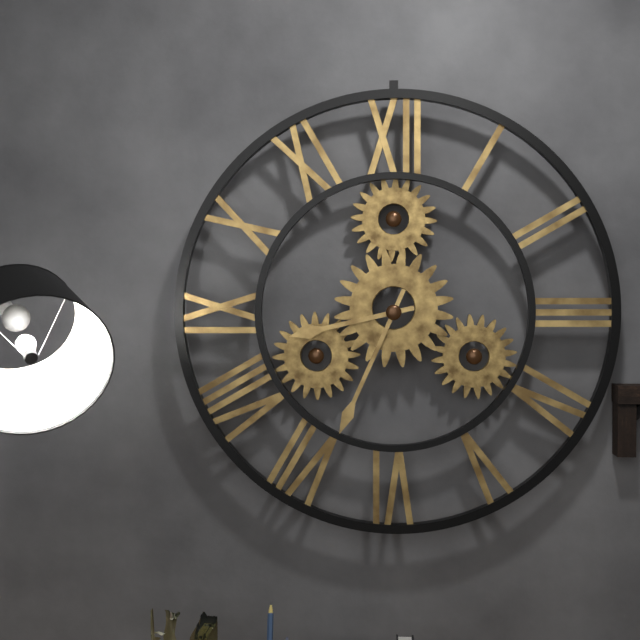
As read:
**8:34**
